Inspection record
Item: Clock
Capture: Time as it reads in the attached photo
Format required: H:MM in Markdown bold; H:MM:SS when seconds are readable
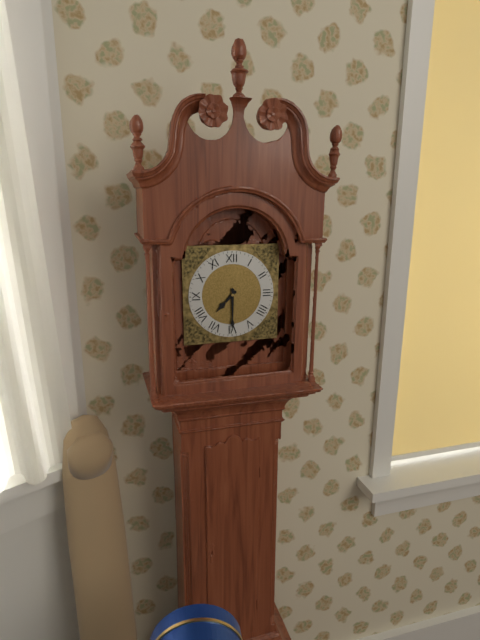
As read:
**7:30**
